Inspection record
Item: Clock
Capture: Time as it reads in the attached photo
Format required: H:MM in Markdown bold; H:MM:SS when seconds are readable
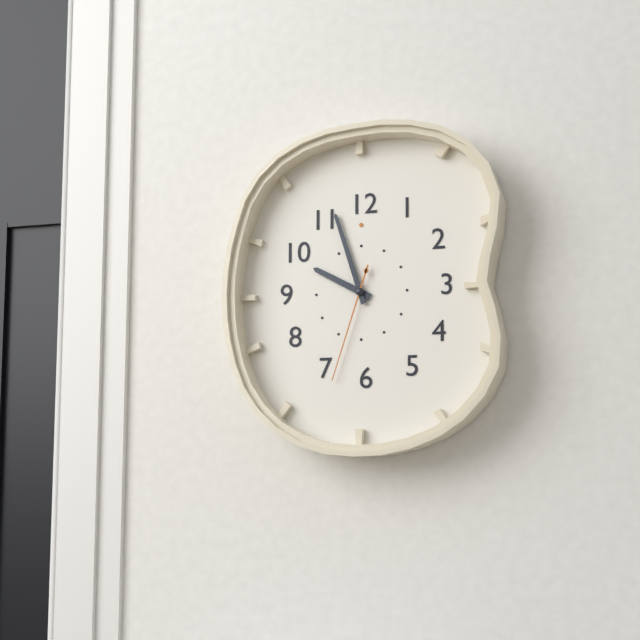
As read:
**9:57:33**
